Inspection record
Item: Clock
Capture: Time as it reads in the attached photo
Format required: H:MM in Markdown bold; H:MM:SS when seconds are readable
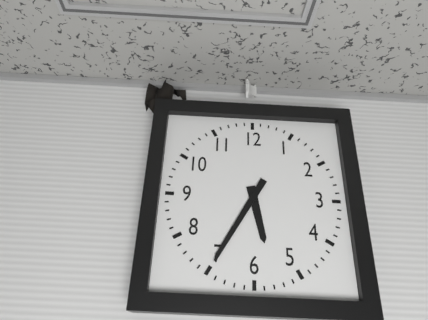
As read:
**5:35**
